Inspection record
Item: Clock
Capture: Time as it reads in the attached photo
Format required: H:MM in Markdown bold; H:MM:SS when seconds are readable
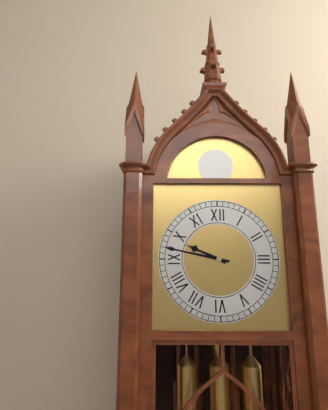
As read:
**9:47**
